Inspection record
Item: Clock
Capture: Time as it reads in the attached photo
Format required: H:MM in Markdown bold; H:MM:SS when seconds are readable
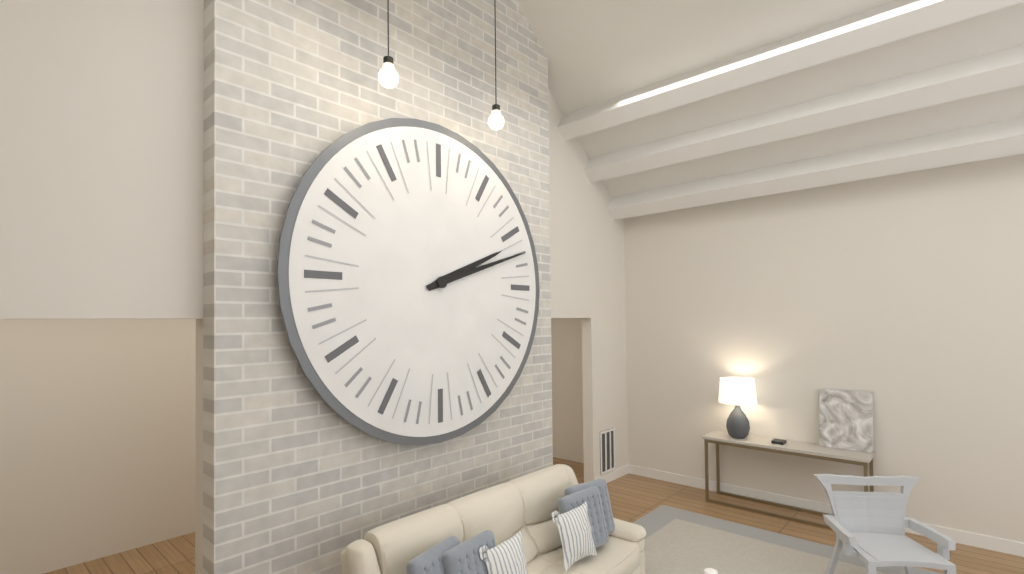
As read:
**2:12**
